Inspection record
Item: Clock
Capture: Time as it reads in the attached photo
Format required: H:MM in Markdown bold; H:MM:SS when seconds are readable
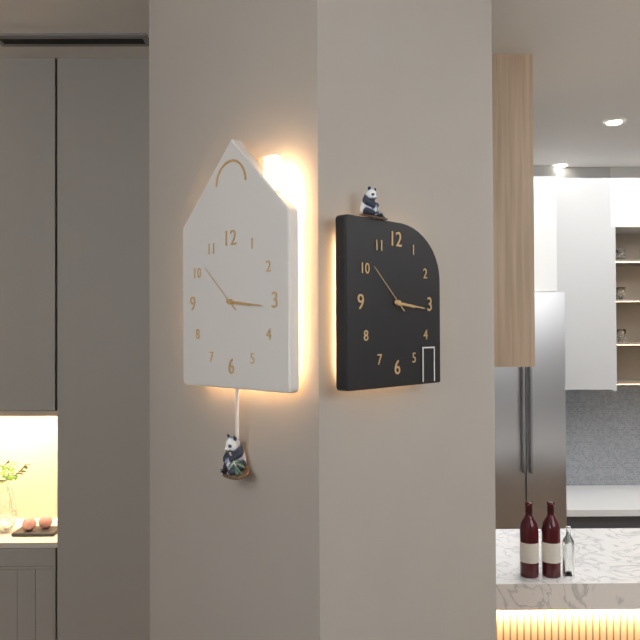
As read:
**3:16:52**
